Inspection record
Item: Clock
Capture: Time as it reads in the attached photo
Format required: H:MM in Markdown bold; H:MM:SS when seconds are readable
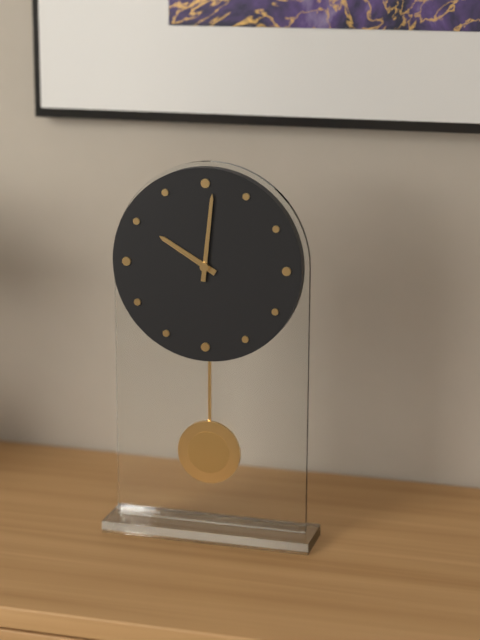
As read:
**10:01**
